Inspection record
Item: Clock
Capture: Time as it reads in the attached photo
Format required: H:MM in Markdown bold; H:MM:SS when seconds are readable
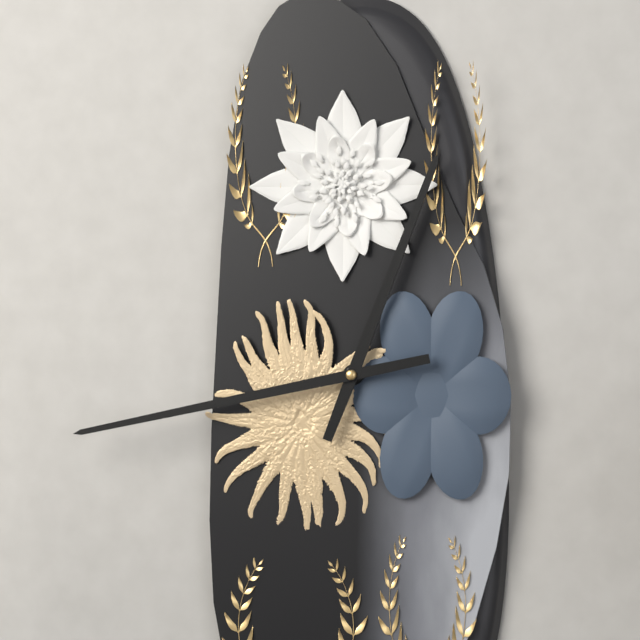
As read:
**12:43**
